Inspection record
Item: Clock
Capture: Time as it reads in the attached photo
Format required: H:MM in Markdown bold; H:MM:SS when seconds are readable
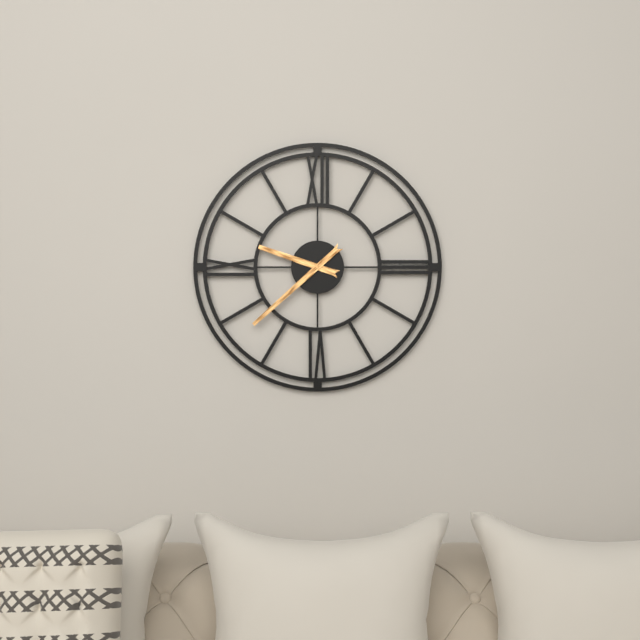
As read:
**9:38**
